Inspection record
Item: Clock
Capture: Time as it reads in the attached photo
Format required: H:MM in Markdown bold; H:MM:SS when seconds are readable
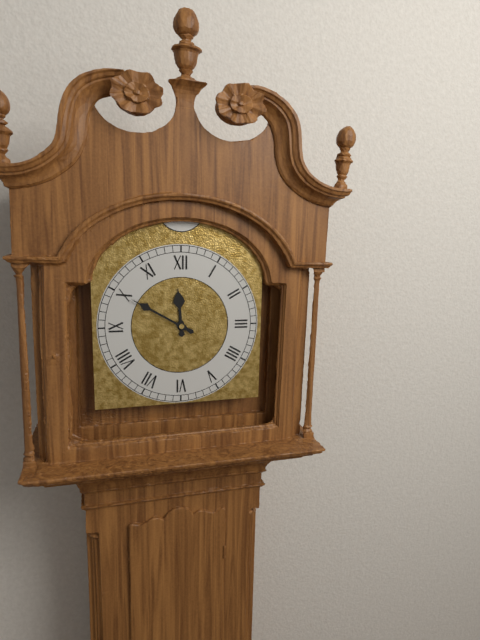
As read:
**11:50**
